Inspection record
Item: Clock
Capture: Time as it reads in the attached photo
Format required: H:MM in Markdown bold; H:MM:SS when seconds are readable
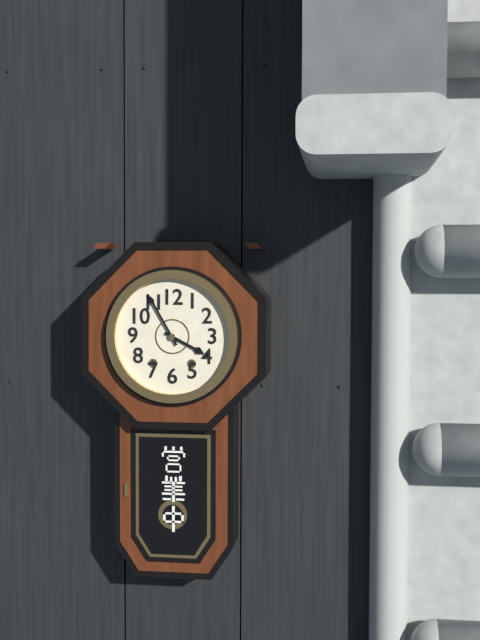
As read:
**3:55**
